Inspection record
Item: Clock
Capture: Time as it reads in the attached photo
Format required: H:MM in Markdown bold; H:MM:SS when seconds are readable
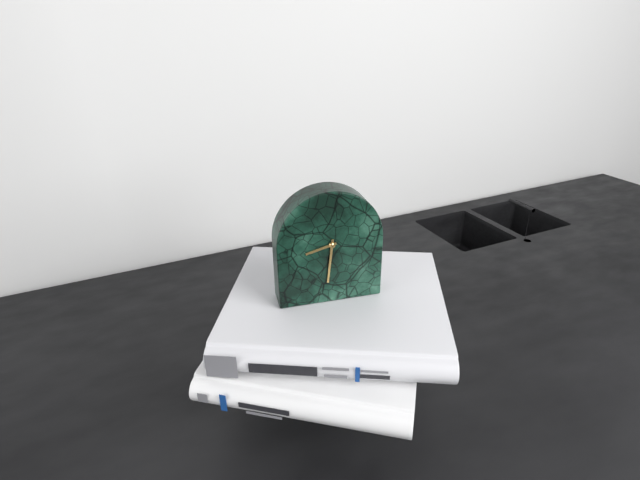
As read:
**8:31**
